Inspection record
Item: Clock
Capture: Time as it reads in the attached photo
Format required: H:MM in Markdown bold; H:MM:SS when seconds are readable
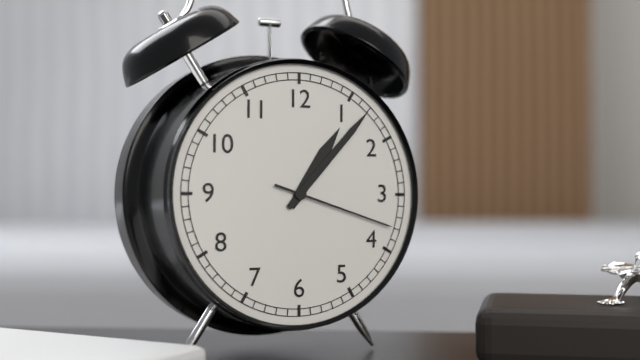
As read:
**1:07:18**
